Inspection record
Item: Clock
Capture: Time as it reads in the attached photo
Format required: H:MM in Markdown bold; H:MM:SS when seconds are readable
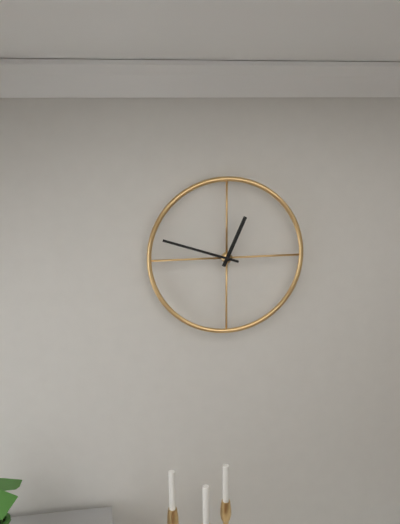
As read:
**12:48**
